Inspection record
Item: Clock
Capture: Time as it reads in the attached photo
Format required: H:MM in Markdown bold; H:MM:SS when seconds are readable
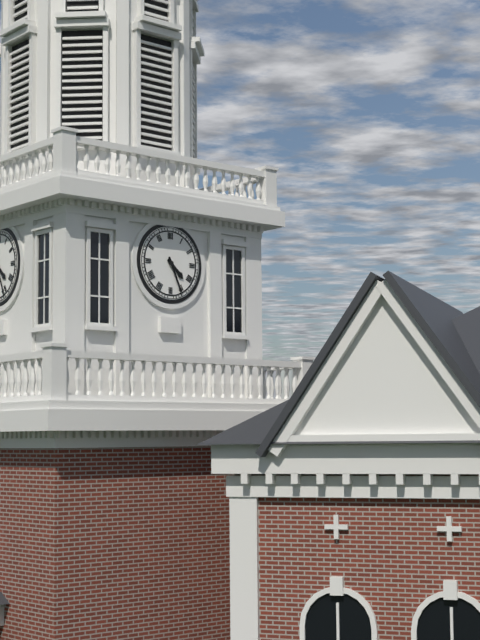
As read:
**4:26**
